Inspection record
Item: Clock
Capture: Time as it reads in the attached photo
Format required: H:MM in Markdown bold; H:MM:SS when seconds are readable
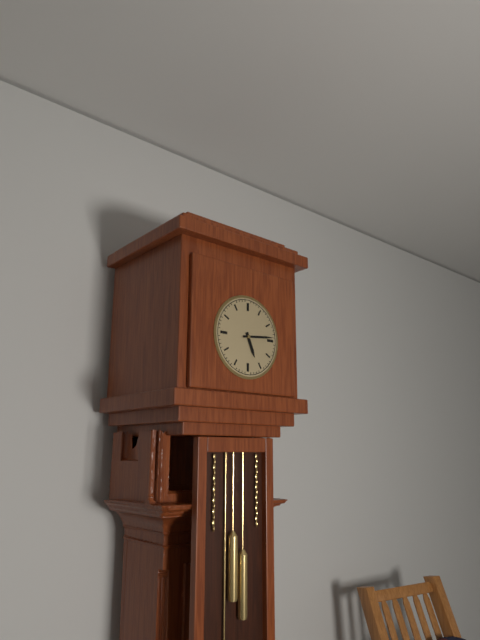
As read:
**5:14**
